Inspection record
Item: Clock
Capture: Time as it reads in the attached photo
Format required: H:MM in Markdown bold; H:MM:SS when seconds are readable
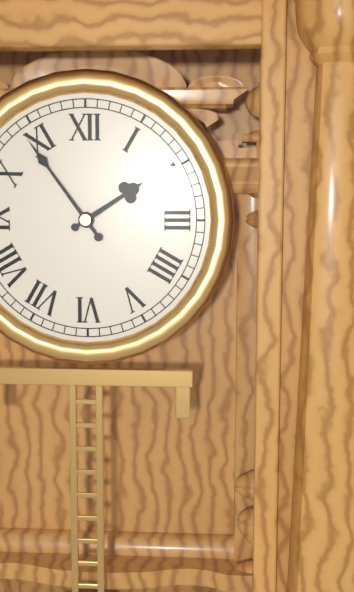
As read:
**1:54**
